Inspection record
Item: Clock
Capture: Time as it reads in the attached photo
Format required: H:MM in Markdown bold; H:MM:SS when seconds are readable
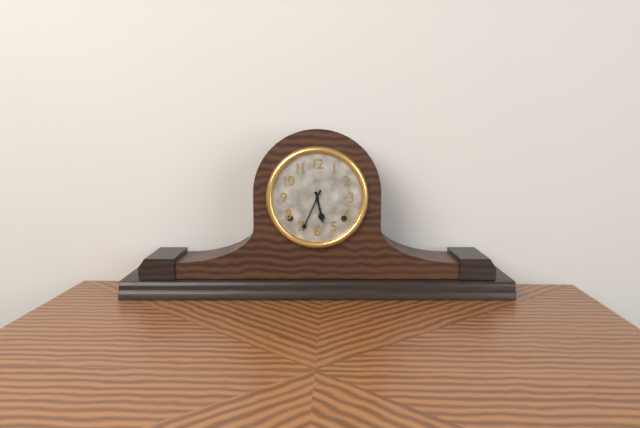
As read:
**5:34**
